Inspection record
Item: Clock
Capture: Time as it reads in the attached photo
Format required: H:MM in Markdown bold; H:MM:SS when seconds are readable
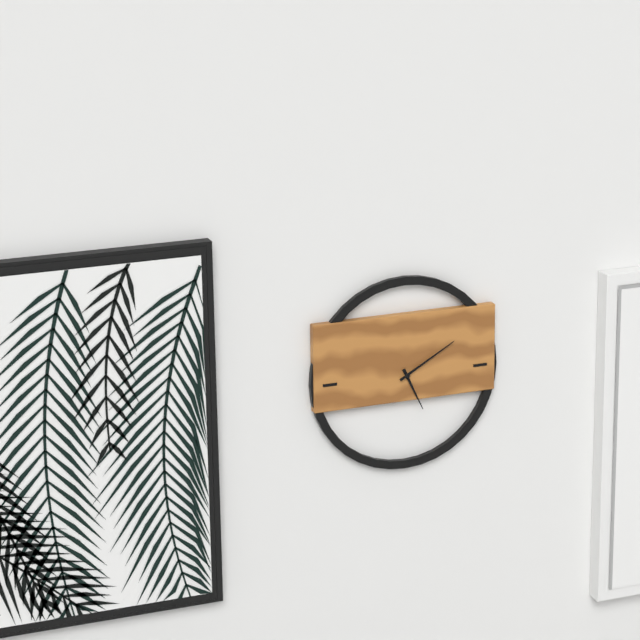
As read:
**5:10**
